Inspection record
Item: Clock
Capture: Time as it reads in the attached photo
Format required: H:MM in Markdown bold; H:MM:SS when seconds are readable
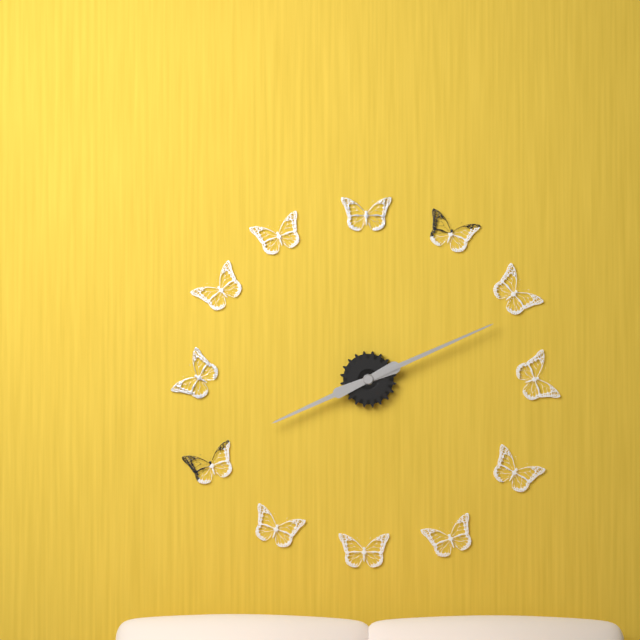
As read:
**8:11**
